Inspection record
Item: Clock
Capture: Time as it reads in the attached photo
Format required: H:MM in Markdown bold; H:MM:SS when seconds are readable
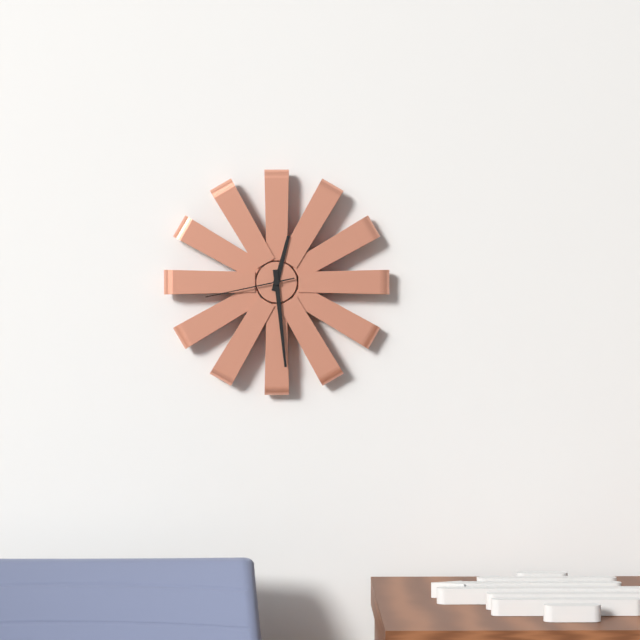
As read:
**12:29:43**
